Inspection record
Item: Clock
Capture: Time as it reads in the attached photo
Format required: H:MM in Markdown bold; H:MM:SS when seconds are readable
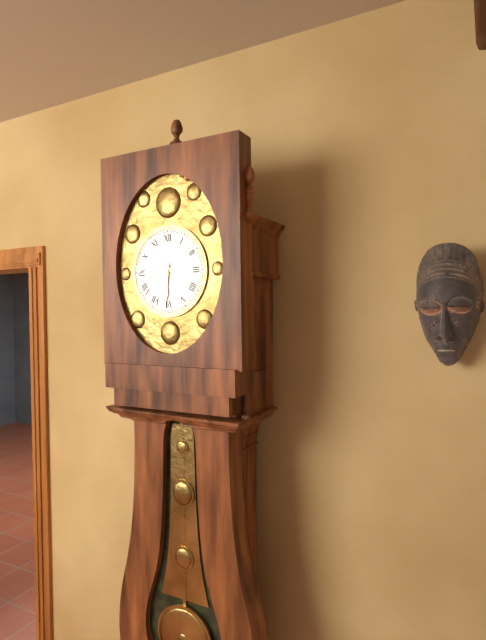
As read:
**8:31**
